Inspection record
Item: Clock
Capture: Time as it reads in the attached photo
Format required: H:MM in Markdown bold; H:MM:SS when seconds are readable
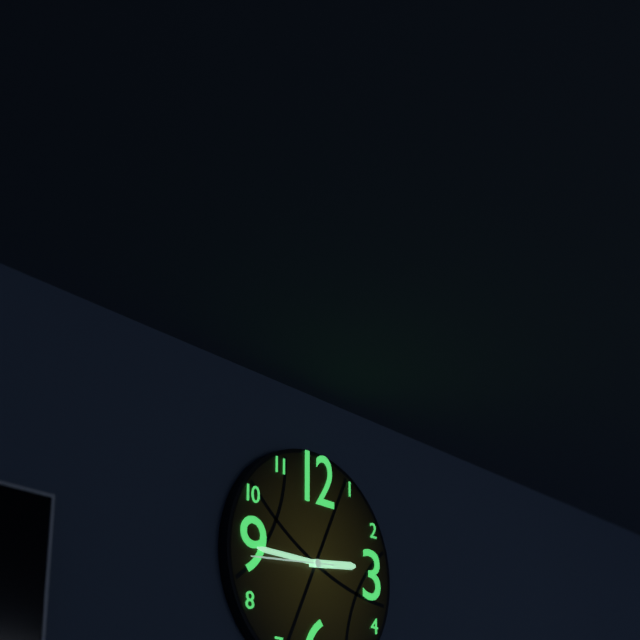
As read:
**2:45:44**
